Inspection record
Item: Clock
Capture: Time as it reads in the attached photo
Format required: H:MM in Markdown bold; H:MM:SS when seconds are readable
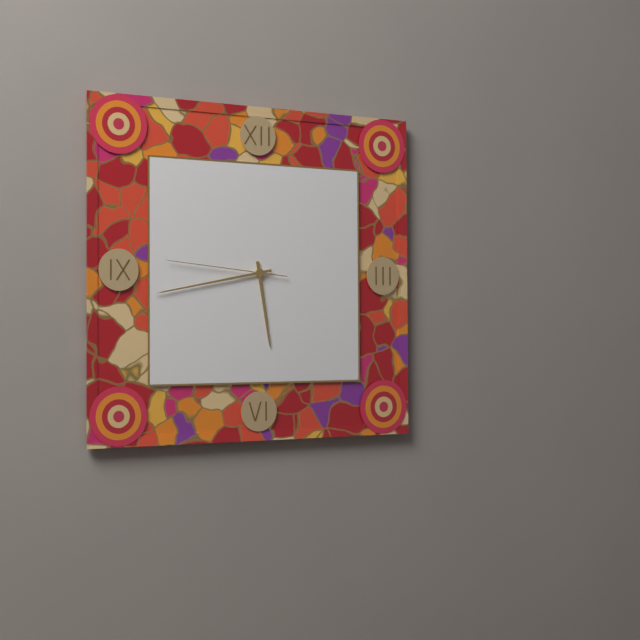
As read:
**5:43:46**
